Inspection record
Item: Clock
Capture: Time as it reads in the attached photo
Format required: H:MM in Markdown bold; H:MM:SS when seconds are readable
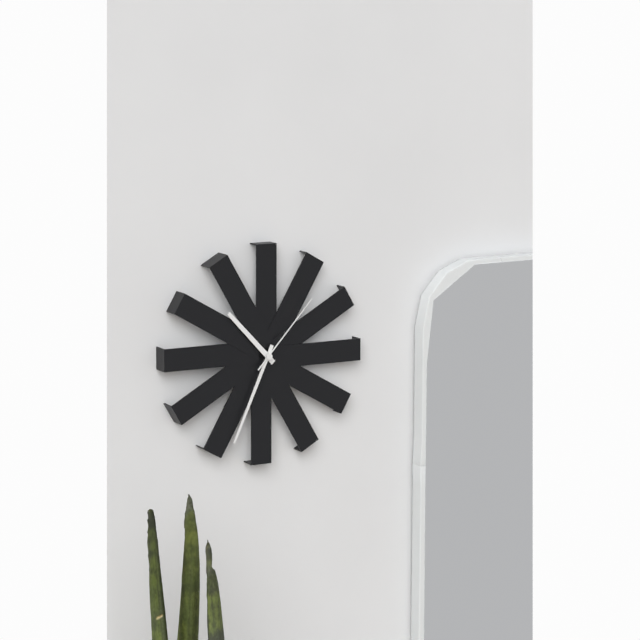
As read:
**10:34:07**
